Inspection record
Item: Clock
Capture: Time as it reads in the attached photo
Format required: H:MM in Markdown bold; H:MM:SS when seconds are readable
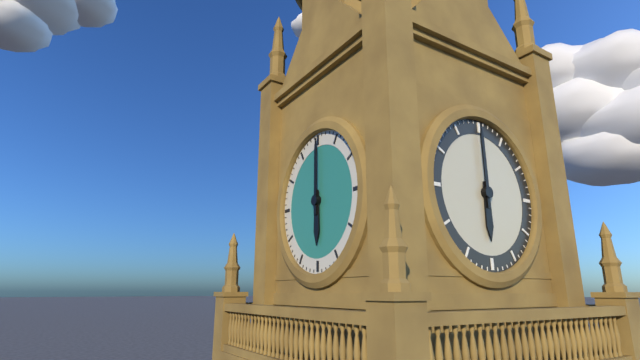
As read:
**6:00**
